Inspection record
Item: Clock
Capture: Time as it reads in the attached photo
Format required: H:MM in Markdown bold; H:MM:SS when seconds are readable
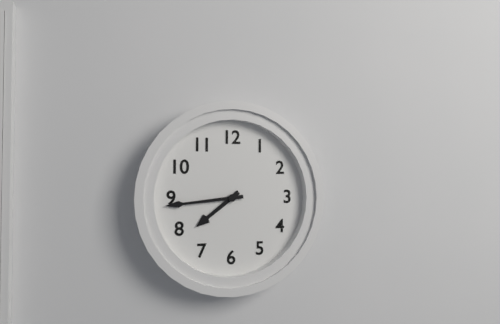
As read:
**7:44**
